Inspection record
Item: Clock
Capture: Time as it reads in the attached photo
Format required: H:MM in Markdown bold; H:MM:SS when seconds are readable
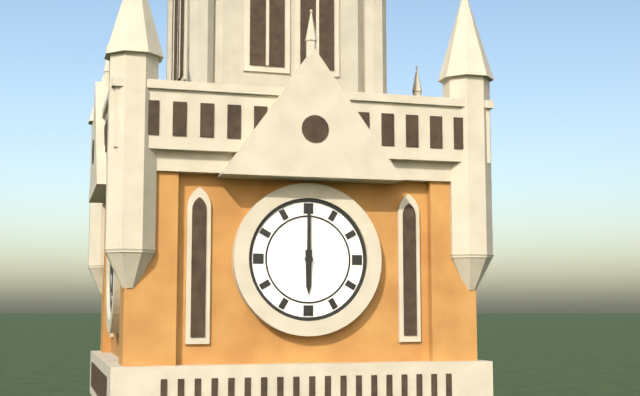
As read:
**6:00**
